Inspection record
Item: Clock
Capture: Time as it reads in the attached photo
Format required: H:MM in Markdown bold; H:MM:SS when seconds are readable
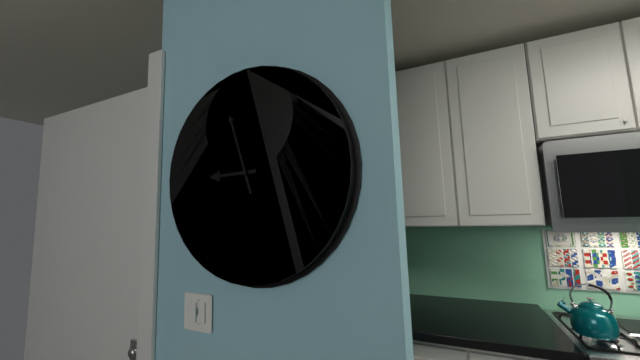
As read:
**8:57**
